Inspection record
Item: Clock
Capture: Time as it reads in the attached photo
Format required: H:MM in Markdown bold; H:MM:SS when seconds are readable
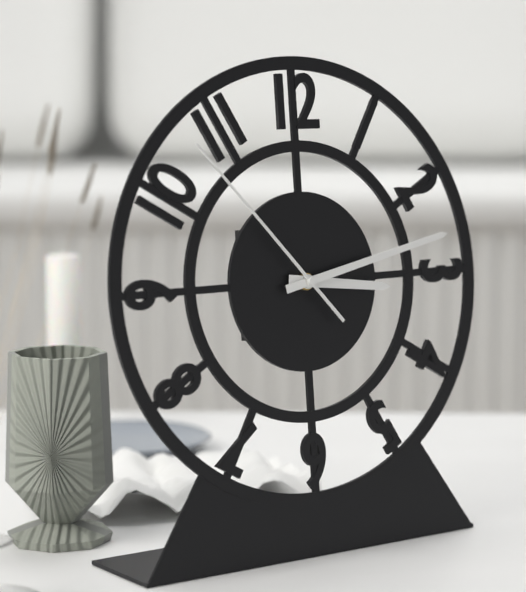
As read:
**3:13:53**
